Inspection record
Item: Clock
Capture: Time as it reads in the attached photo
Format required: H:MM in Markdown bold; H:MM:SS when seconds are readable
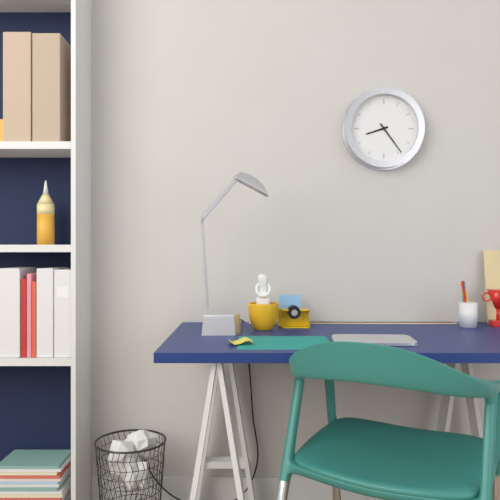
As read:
**8:24**
